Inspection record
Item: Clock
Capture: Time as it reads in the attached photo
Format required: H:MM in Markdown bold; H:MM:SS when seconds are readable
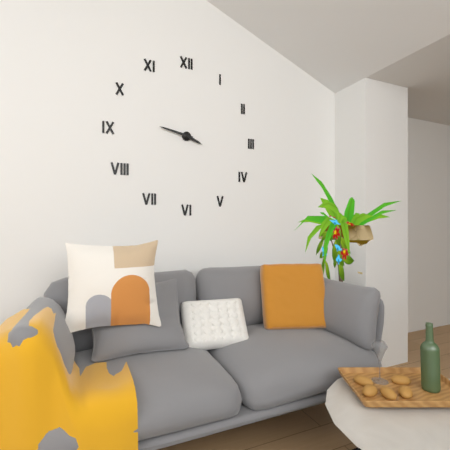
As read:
**3:47**
